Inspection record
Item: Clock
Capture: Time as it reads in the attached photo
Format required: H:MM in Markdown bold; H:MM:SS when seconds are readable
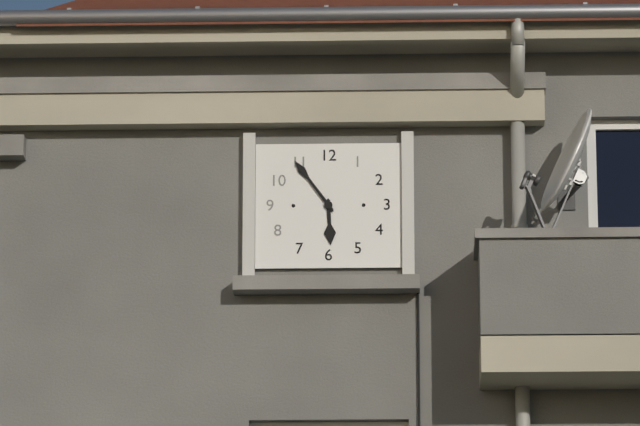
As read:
**5:54**
